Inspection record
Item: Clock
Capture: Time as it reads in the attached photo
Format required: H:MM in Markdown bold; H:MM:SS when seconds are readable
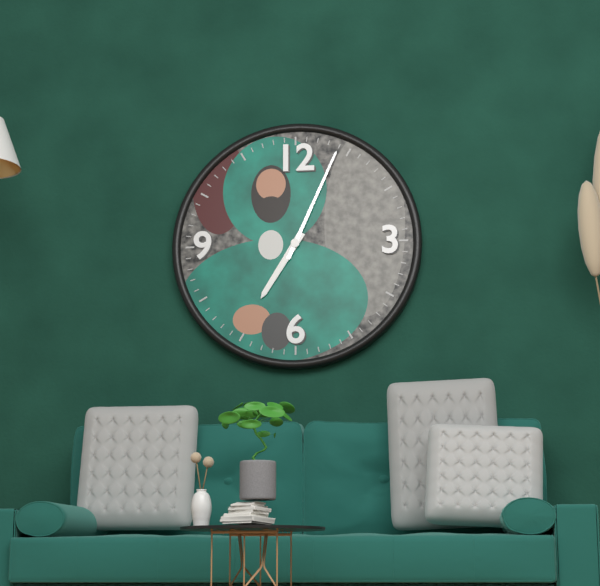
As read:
**7:04**
